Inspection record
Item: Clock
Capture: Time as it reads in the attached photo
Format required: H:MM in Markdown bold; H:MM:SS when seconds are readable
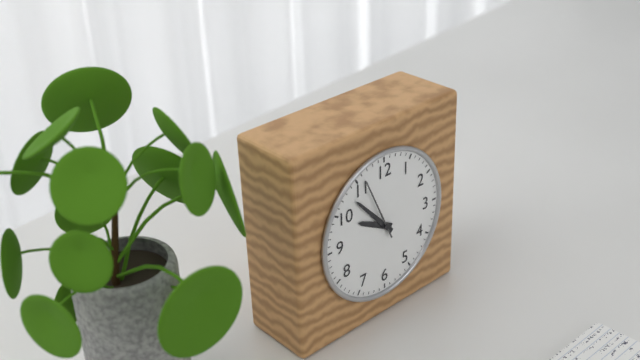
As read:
**9:53:56**
